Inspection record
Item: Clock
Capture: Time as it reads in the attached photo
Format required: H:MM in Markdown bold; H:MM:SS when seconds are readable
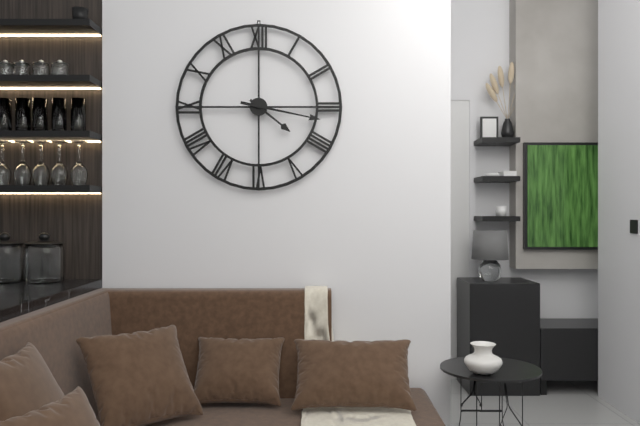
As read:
**4:17**
